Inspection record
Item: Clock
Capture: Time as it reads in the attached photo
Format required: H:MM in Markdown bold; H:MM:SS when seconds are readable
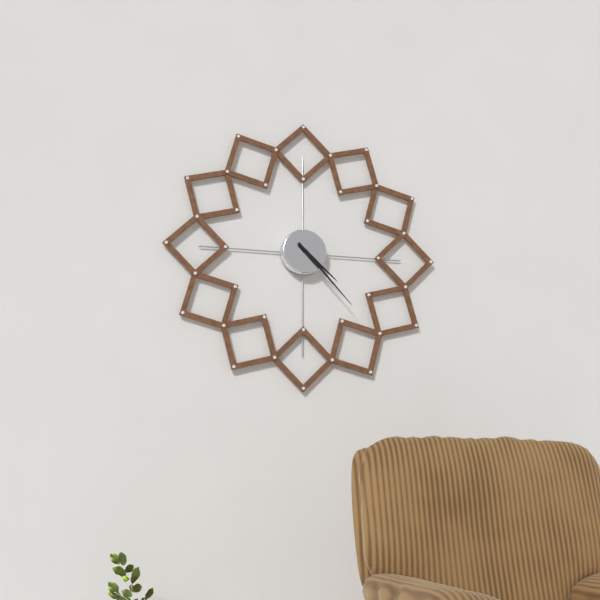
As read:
**4:23**
